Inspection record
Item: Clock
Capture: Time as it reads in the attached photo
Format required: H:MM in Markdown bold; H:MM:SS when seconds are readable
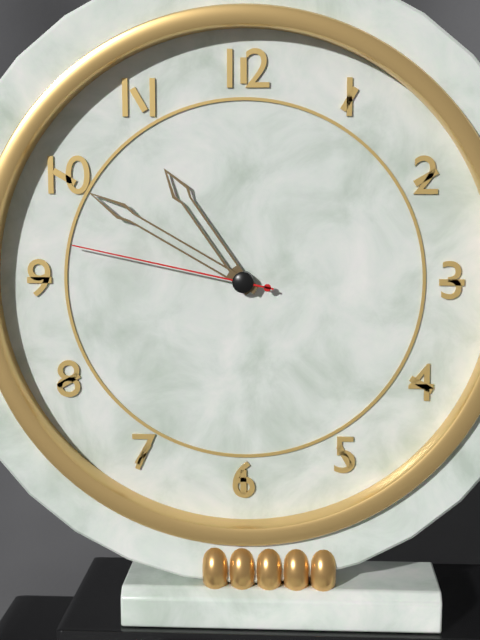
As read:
**10:50:47**
